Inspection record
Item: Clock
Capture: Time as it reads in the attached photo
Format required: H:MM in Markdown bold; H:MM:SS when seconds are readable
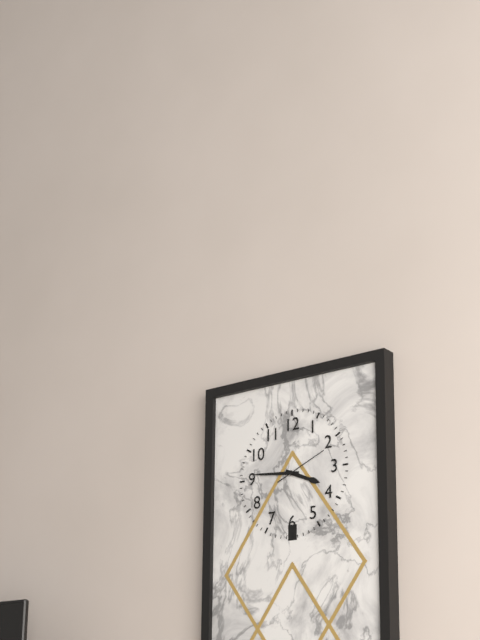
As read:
**3:46**
